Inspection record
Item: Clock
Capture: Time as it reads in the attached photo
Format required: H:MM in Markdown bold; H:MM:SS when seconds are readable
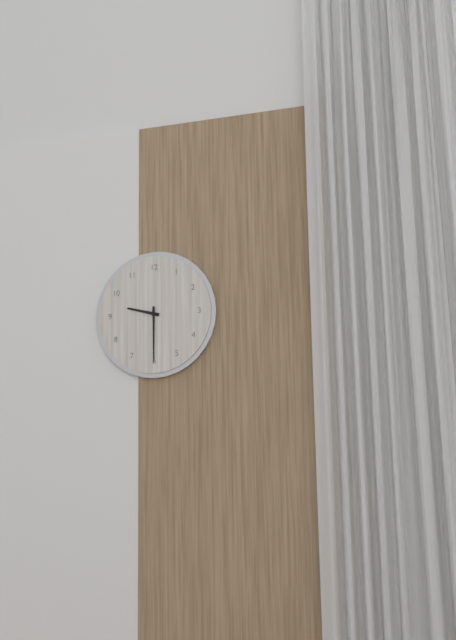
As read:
**9:30**
